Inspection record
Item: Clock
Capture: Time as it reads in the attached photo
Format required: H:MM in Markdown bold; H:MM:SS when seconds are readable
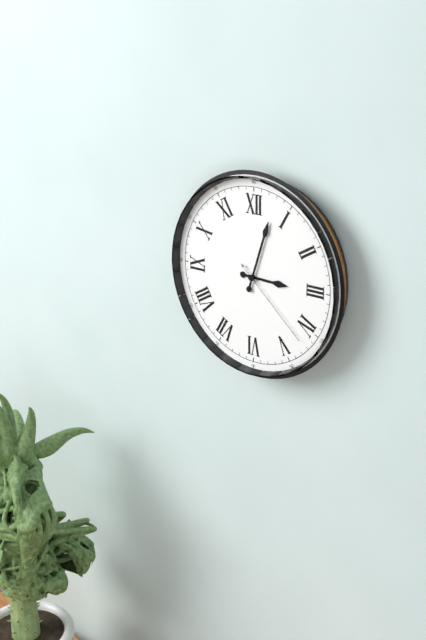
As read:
**3:03:22**
